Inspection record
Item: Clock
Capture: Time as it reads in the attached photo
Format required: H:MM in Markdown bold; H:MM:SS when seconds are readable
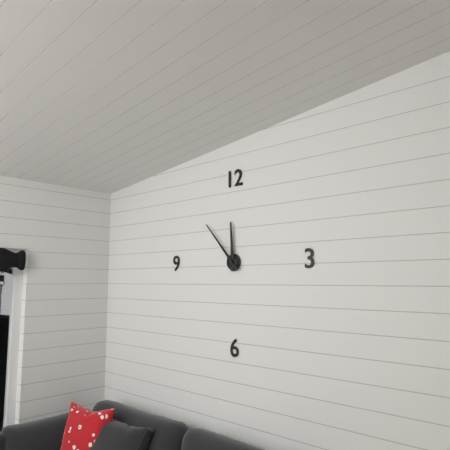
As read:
**11:53**
